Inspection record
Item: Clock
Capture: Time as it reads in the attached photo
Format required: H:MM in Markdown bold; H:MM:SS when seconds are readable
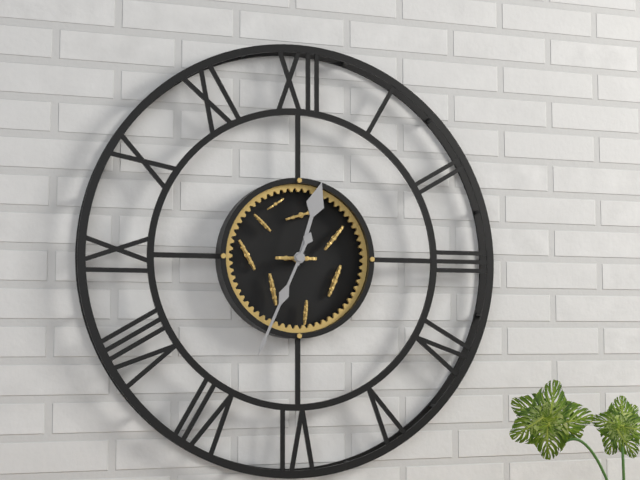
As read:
**12:34**
